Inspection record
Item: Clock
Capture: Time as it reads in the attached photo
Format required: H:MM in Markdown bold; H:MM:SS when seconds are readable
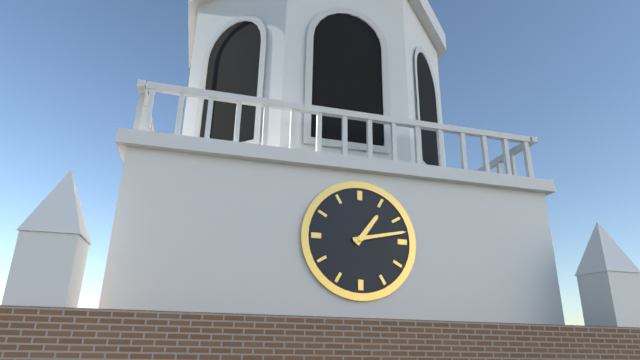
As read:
**1:13**
